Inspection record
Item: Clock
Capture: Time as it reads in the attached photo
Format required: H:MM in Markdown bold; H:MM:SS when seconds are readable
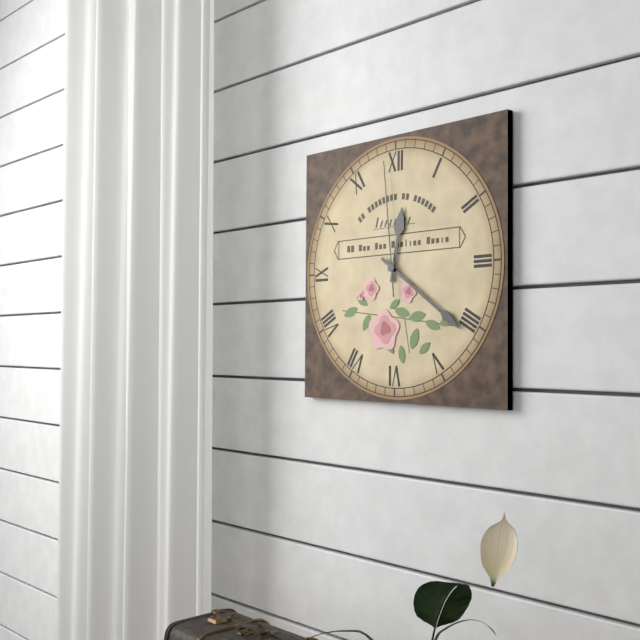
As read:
**12:21:59**
